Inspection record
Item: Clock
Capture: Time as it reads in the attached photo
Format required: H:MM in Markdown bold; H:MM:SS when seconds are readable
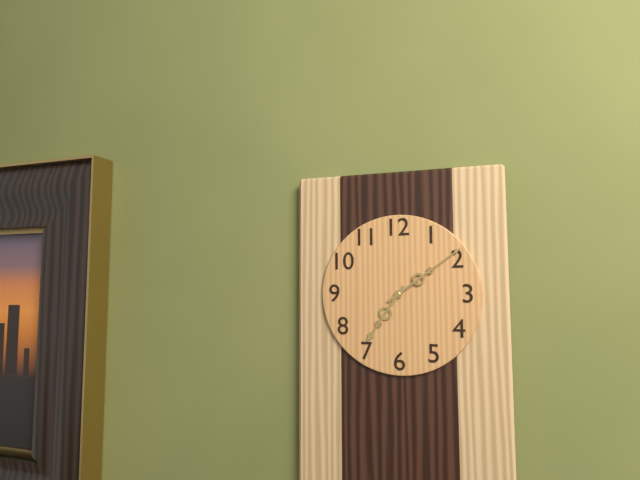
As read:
**7:09**
